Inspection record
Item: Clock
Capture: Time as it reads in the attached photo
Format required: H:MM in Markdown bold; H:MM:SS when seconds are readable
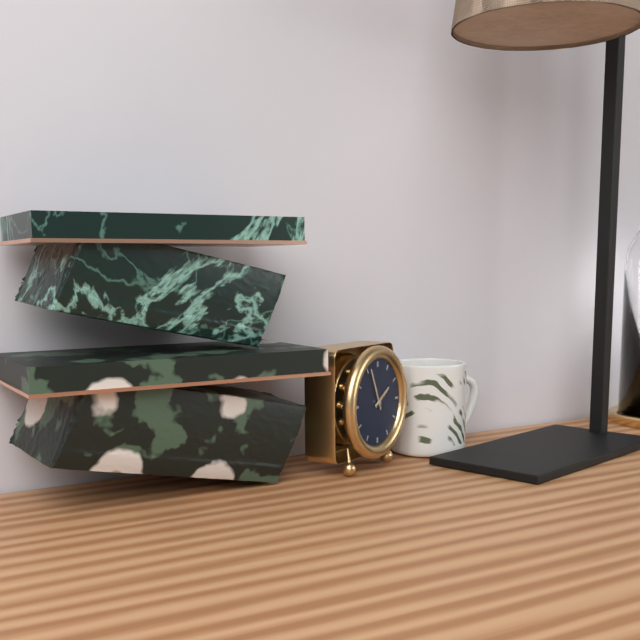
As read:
**1:56**
